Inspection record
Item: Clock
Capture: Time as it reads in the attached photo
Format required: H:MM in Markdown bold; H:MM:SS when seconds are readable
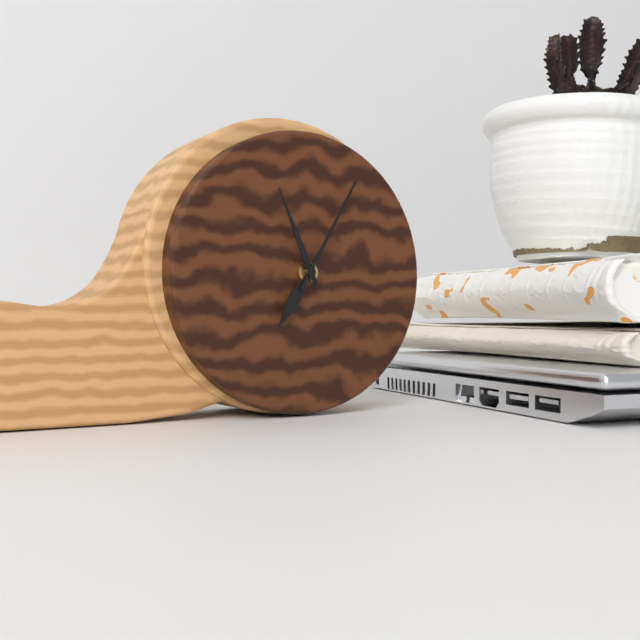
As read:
**7:05:56**
